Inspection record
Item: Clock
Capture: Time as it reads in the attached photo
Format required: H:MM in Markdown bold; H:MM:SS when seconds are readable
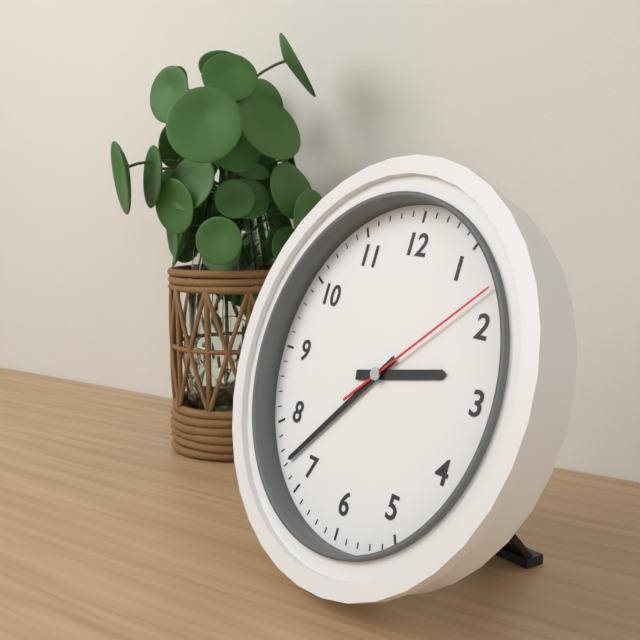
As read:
**2:37:08**
